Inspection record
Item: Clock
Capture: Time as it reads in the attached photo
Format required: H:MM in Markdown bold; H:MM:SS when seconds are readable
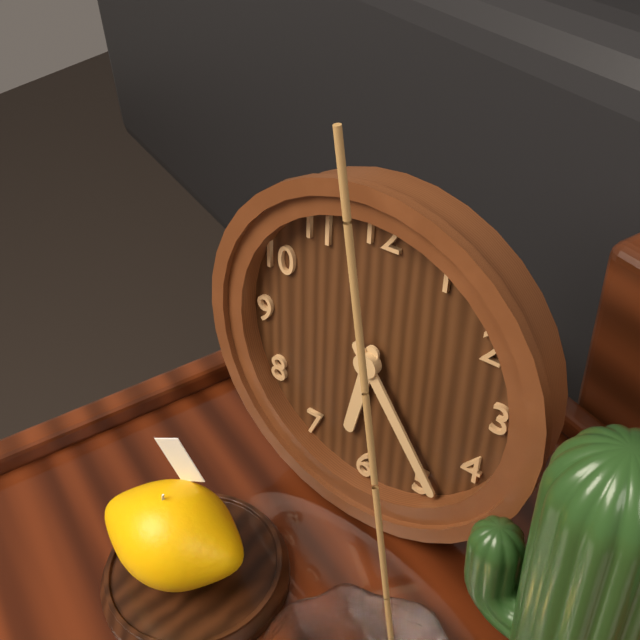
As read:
**6:24**
